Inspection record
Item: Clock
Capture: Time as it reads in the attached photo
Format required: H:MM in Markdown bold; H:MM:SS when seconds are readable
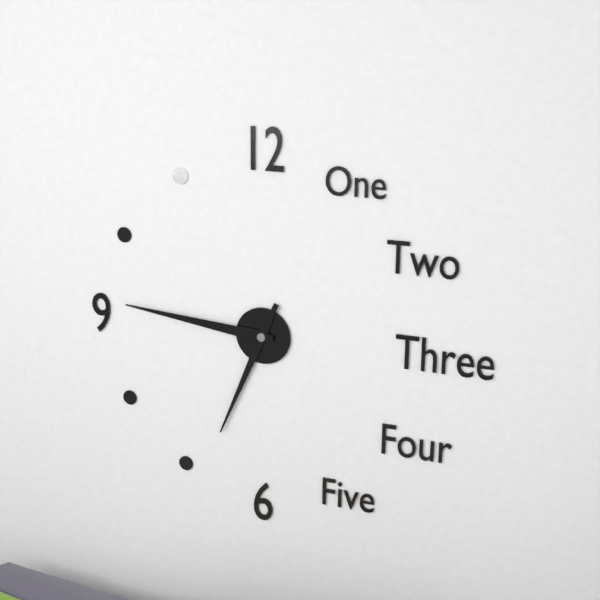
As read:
**6:46**
